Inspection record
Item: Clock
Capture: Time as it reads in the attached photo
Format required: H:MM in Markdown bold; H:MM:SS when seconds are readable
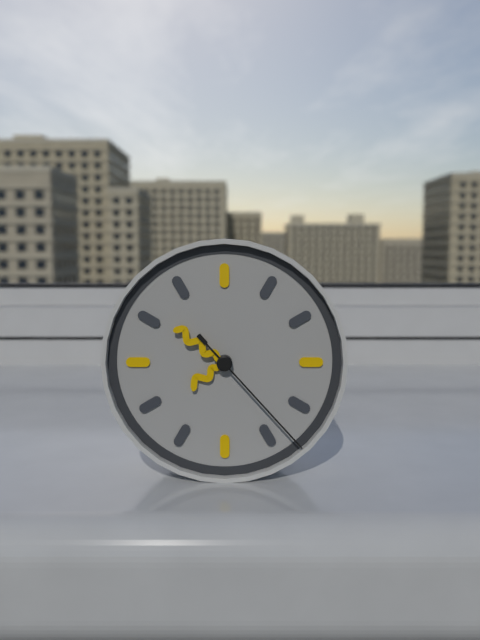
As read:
**7:51:23**
